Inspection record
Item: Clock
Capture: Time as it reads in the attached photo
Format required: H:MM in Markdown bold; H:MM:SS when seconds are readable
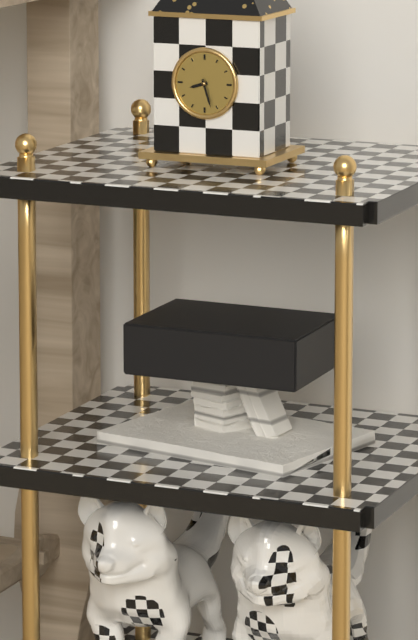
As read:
**8:27**
